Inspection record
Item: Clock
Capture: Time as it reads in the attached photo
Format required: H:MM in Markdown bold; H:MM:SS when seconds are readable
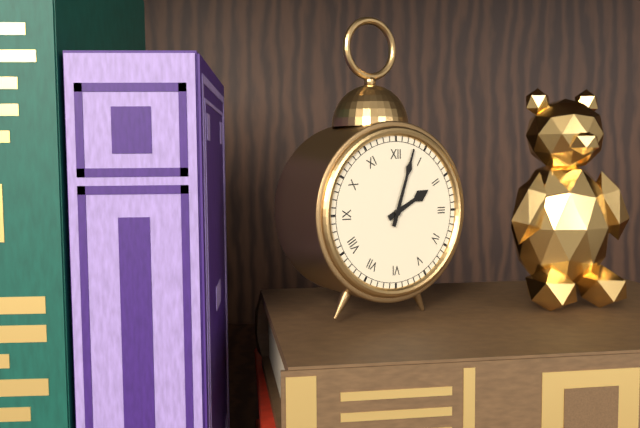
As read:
**2:03**
